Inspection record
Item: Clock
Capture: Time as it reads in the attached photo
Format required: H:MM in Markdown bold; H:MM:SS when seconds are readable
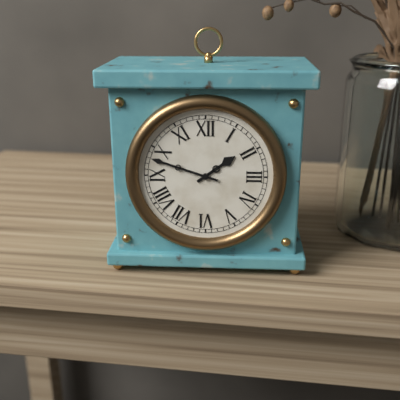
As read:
**1:48**
